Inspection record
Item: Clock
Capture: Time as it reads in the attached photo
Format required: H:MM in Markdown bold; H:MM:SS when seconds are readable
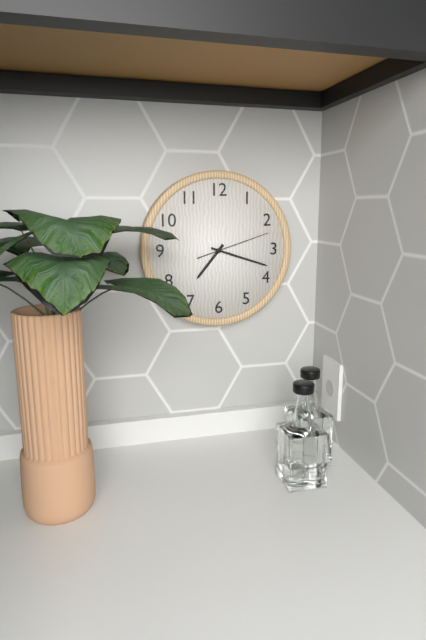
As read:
**7:18:12**
